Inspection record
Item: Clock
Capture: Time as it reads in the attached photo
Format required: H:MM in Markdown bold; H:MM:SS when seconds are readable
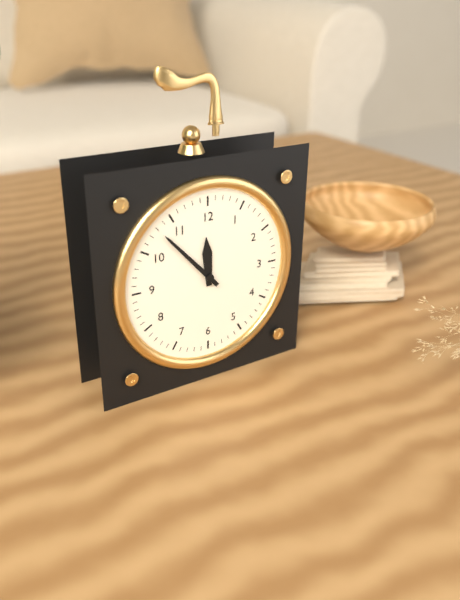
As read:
**11:53**
